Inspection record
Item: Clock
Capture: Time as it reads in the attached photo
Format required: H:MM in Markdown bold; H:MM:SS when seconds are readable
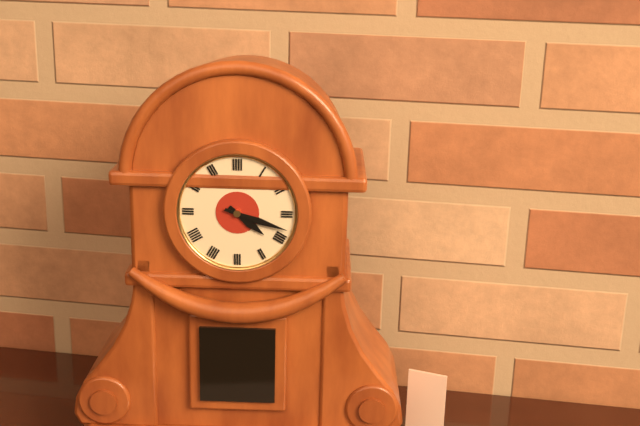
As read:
**4:18**
